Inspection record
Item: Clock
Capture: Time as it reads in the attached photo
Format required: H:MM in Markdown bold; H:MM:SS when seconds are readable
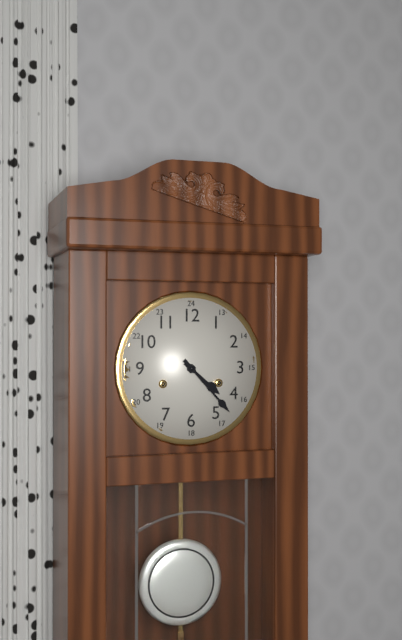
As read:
**4:23**
